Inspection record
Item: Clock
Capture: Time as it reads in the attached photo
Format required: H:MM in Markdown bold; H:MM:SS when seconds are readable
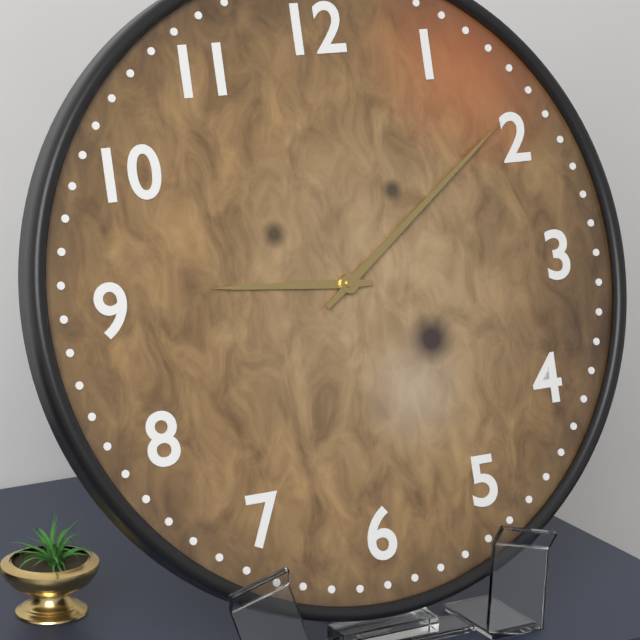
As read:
**9:09**
